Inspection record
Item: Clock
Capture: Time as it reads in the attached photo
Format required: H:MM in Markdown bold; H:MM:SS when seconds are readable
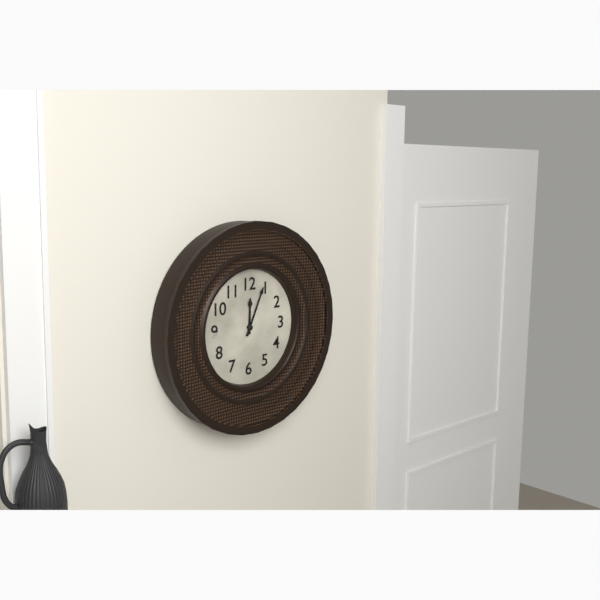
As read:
**12:04**
